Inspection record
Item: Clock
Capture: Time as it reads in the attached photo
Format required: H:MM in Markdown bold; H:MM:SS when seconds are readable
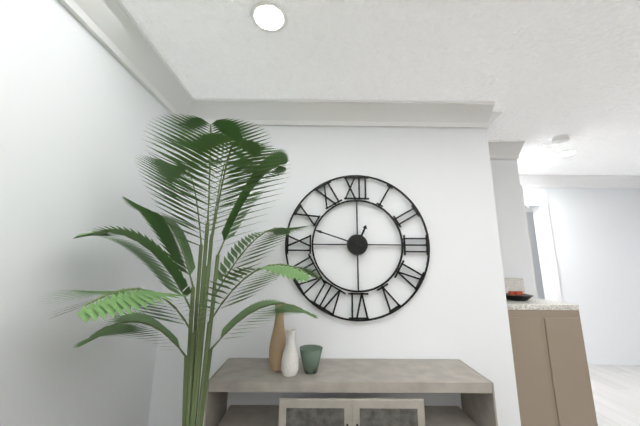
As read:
**12:48**
